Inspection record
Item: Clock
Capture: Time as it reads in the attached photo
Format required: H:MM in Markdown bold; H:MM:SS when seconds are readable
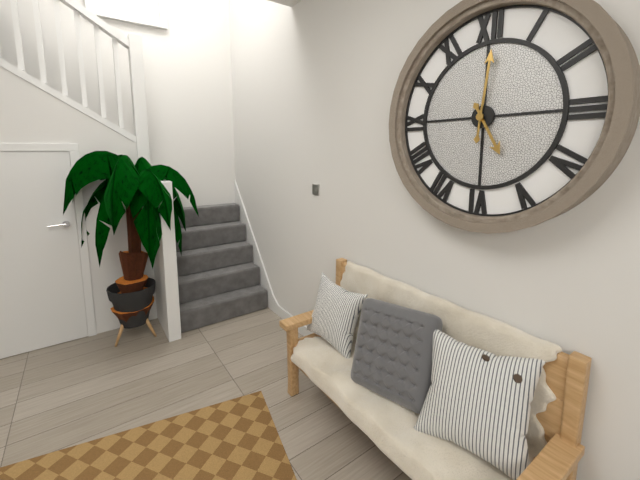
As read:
**5:01**
